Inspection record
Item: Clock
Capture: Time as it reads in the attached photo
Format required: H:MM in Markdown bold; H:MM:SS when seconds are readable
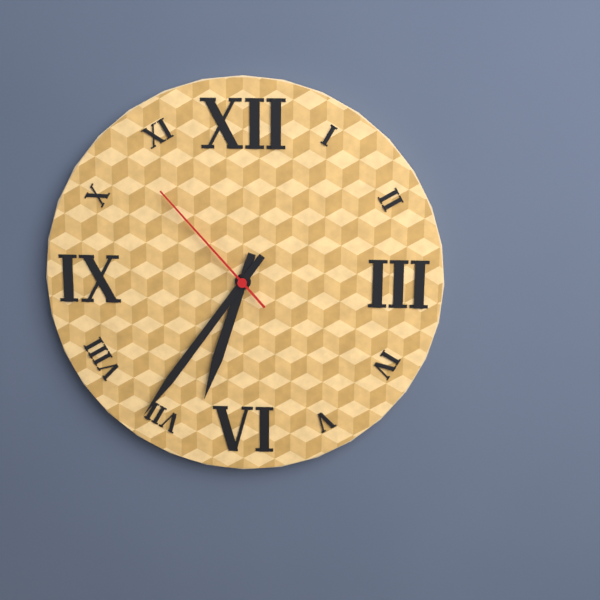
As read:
**6:36:53**
